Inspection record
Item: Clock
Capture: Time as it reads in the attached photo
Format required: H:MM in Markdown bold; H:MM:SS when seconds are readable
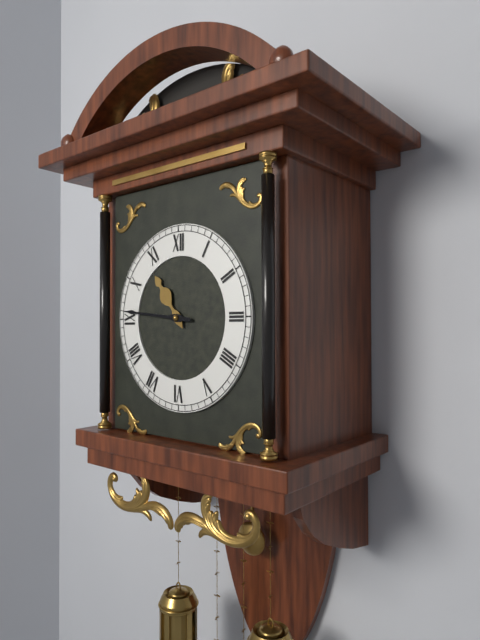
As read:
**10:46**
